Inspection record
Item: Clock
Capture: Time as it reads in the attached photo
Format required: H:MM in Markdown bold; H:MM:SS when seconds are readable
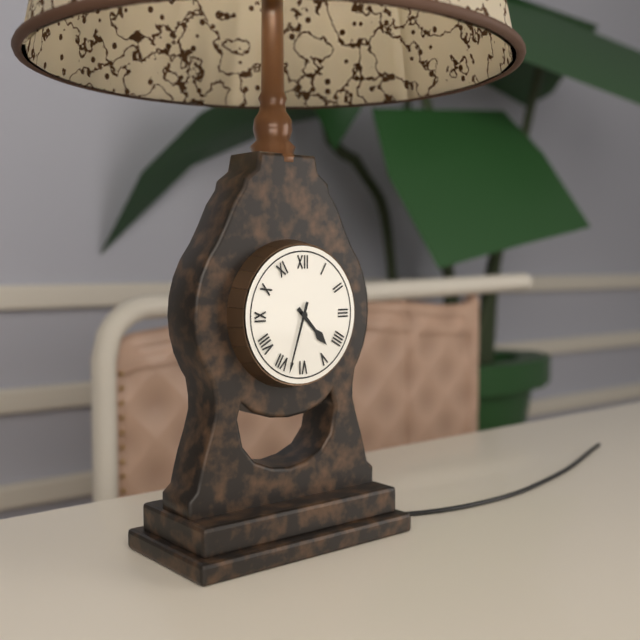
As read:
**4:33**
